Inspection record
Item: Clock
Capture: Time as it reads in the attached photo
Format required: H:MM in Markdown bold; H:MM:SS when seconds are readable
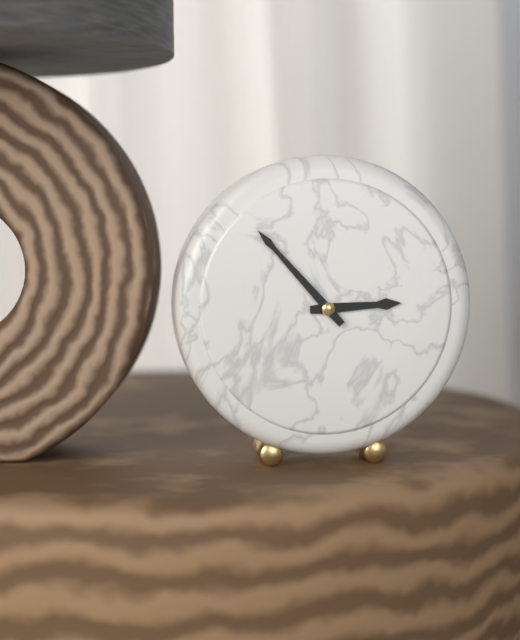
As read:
**2:53**
